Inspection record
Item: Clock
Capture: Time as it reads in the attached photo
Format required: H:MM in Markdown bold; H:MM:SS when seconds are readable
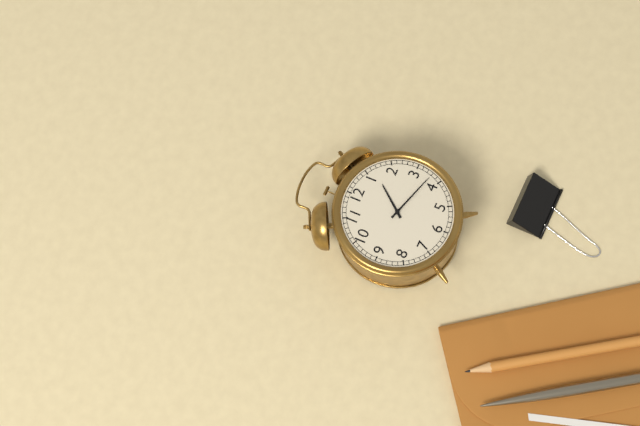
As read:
**1:18**
